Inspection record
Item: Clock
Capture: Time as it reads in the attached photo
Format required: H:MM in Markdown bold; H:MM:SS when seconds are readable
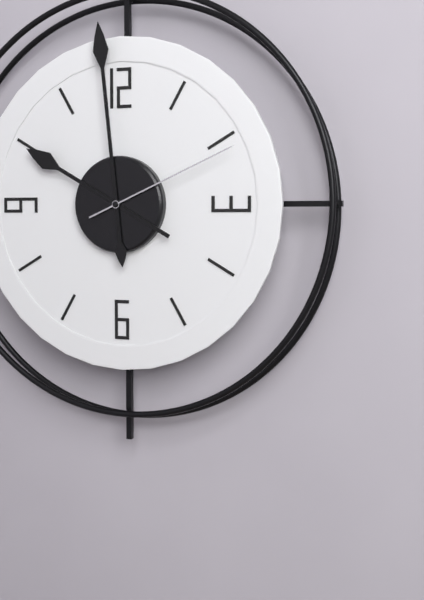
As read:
**9:59:11**
